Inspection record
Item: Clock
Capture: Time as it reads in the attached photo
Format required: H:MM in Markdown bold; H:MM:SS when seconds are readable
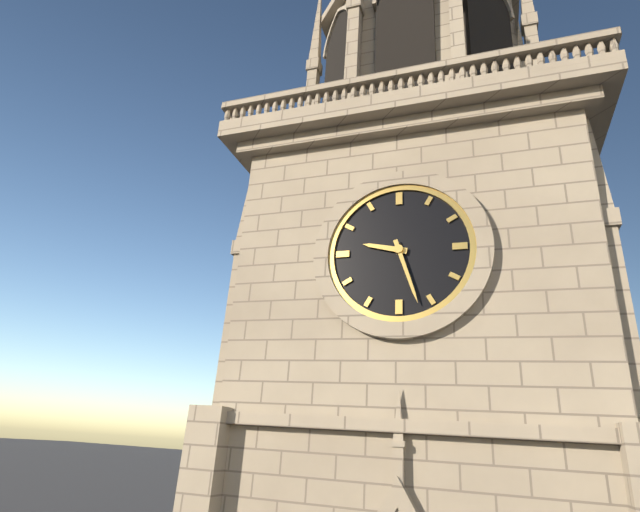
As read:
**9:27**
